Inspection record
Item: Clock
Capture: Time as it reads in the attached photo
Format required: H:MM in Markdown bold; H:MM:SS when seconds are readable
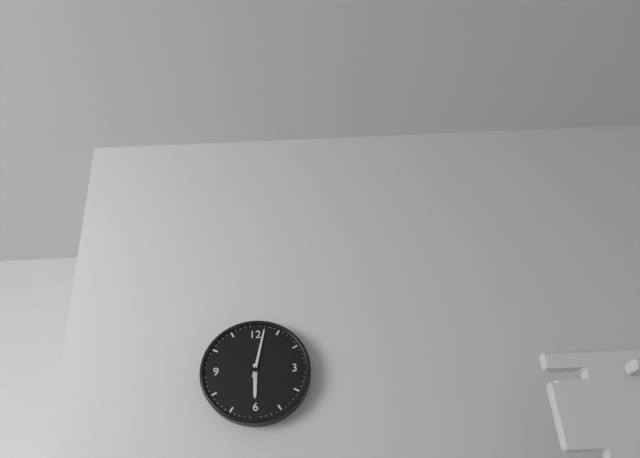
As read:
**6:02**
